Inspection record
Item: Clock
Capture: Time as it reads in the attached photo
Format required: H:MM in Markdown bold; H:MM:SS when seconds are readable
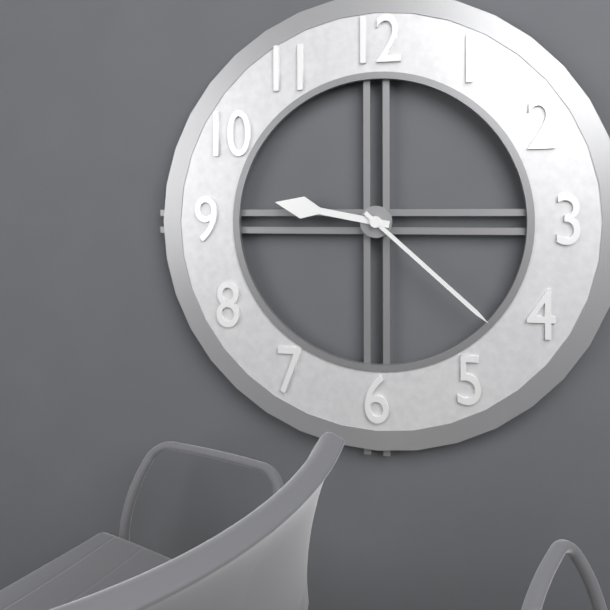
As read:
**9:22**
